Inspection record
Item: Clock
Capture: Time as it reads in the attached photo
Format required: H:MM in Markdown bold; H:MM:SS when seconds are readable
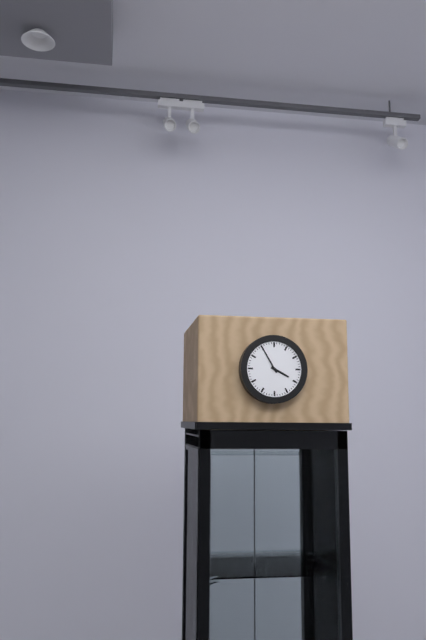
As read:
**3:55**
